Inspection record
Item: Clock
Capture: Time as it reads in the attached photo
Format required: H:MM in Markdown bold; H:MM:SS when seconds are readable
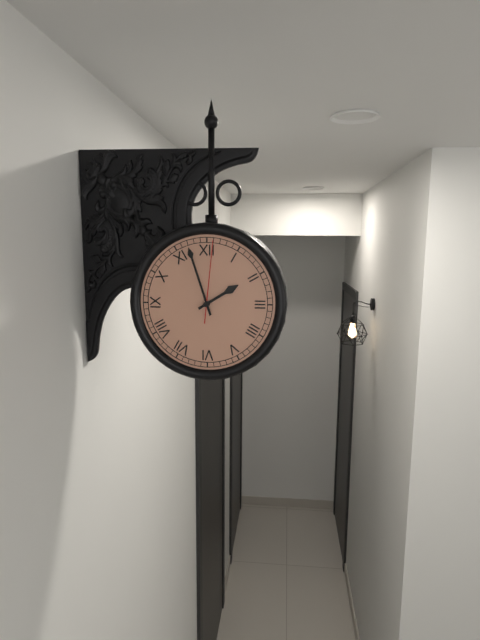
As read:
**1:57:01**
